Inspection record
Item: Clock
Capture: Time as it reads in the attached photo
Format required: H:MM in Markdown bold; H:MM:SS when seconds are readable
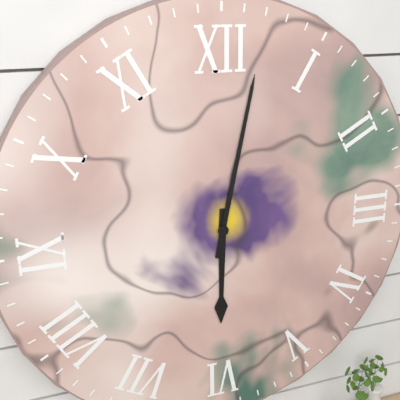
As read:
**6:02**
